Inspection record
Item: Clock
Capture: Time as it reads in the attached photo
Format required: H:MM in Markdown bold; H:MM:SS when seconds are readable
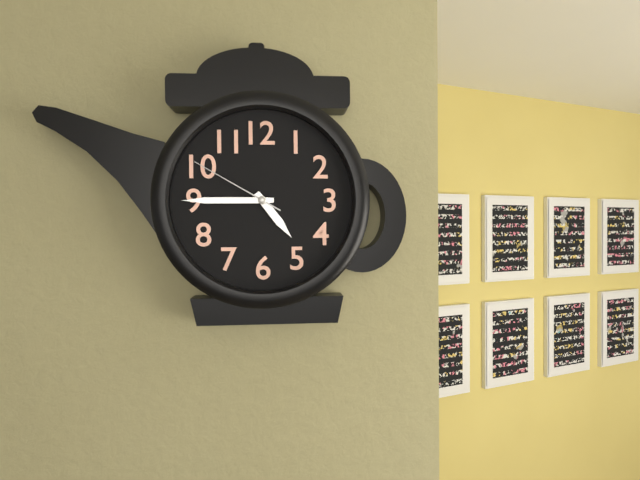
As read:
**4:45:50**
